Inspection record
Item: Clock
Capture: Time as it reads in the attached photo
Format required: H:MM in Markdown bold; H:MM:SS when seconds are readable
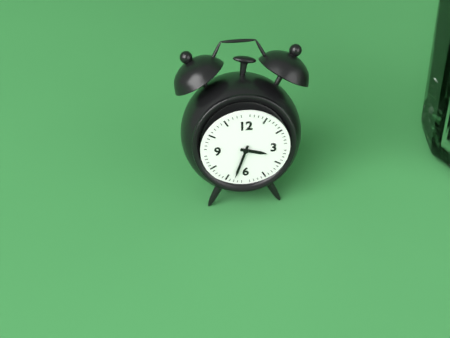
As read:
**3:33**
